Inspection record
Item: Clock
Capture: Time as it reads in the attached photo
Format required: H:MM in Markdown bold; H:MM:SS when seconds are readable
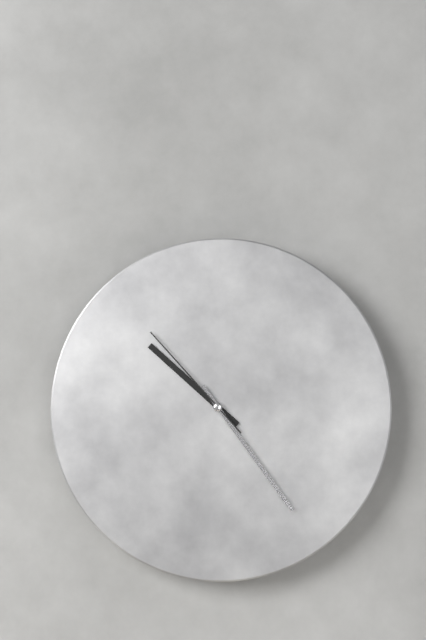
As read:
**10:24:53**
